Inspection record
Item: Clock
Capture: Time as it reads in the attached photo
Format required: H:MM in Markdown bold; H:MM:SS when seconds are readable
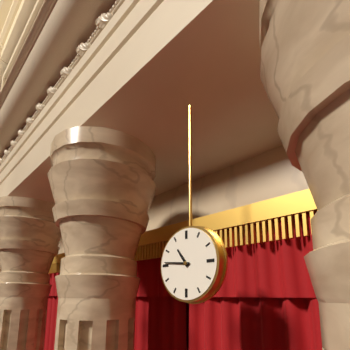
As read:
**10:46**
